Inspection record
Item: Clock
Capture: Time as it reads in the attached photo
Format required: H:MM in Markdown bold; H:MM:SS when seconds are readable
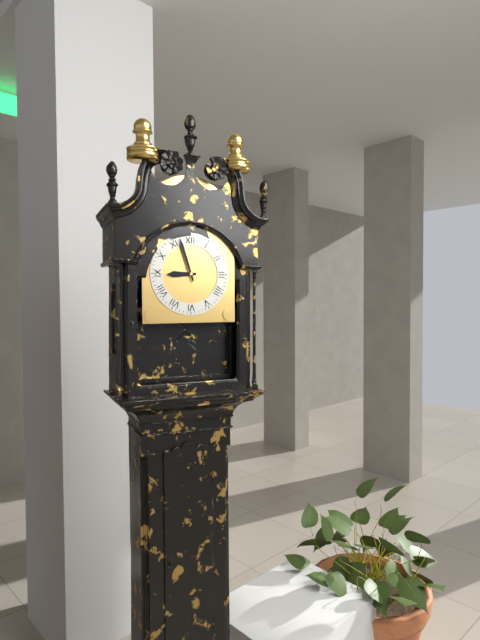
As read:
**8:57**
